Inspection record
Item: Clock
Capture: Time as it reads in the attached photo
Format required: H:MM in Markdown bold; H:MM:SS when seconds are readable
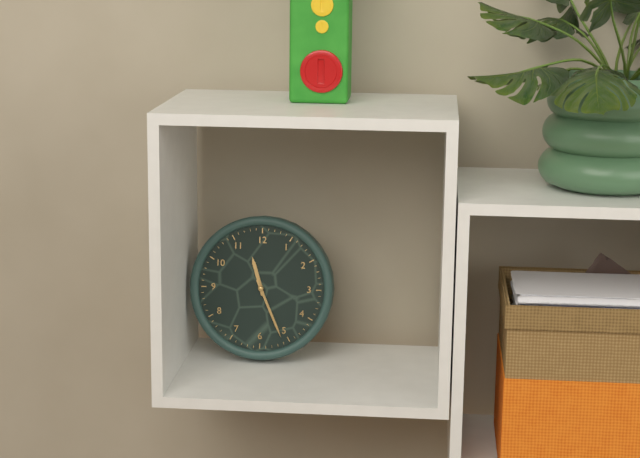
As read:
**11:26**
